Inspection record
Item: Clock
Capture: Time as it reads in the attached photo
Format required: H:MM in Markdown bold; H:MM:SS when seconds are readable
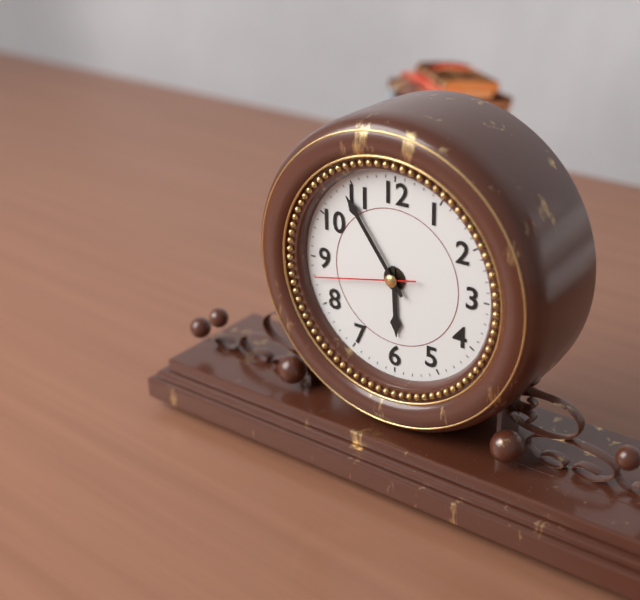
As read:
**5:54:43**
